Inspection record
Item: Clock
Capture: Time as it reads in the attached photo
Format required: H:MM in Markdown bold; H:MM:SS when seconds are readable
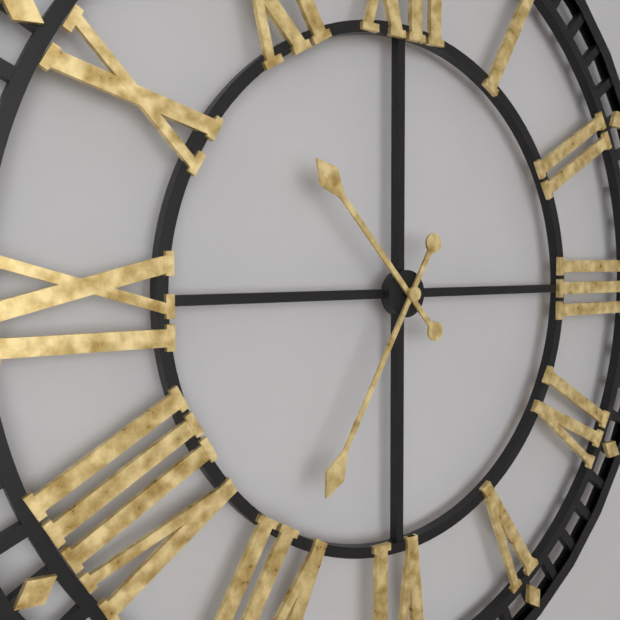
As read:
**10:35**
